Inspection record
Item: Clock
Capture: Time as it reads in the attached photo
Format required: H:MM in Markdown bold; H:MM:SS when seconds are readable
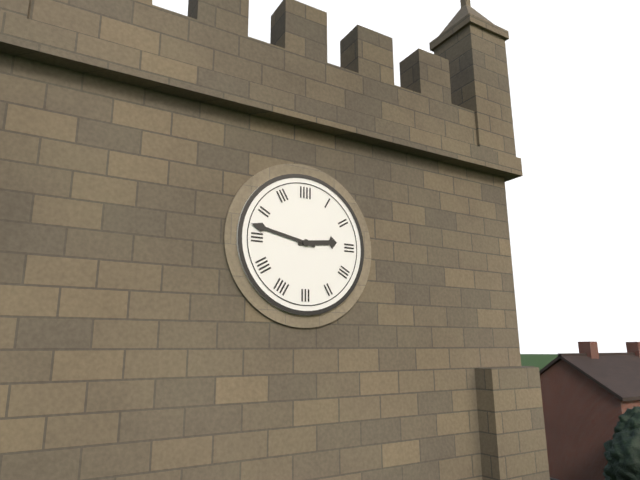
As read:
**2:47**
